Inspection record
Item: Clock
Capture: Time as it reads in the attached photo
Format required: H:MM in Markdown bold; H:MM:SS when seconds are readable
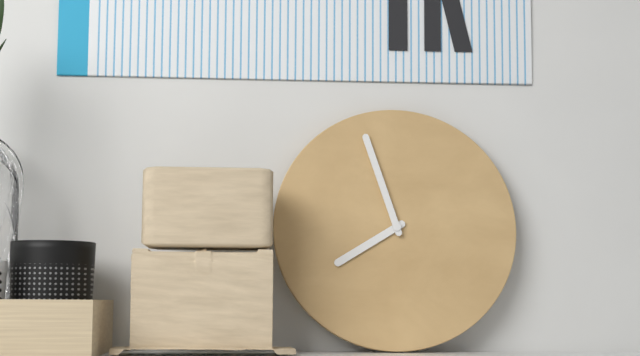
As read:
**7:57**
